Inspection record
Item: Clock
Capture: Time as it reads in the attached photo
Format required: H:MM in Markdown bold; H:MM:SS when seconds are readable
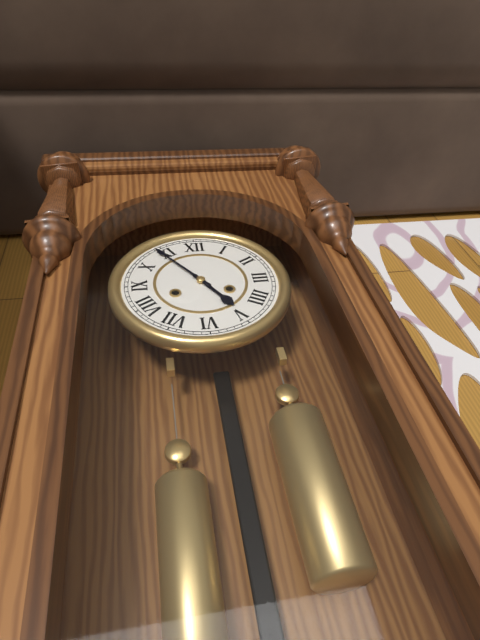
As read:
**4:54**
